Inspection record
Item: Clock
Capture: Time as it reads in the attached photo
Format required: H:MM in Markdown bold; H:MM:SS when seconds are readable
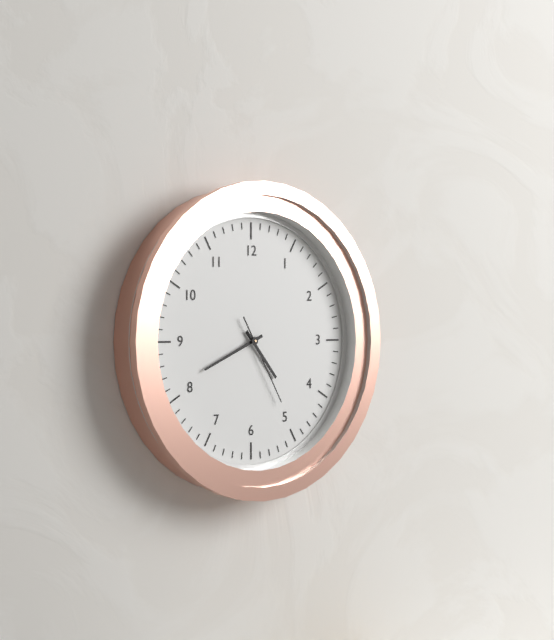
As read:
**4:41:25**
